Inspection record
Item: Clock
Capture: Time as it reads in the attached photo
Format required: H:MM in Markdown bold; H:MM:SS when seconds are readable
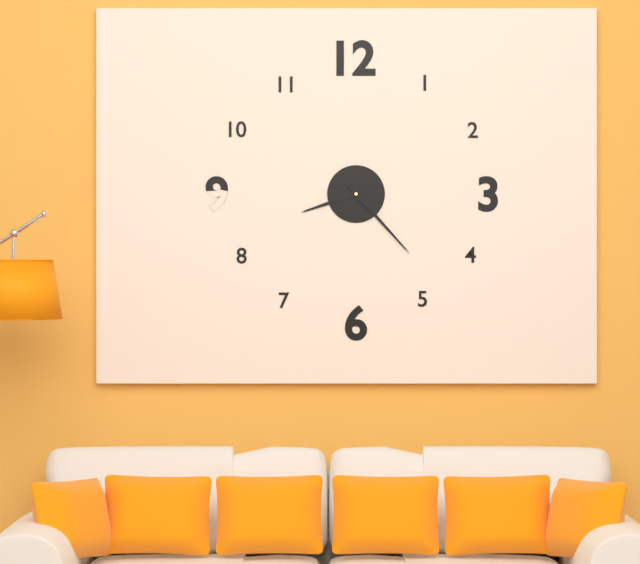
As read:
**8:23**
